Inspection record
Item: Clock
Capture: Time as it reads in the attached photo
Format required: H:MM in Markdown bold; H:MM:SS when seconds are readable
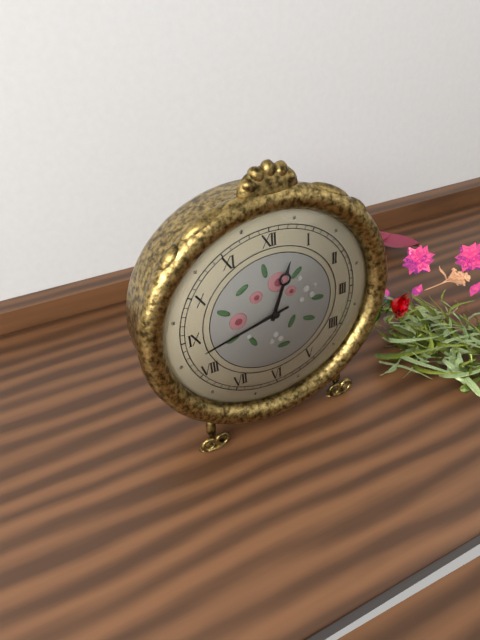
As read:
**12:43**
